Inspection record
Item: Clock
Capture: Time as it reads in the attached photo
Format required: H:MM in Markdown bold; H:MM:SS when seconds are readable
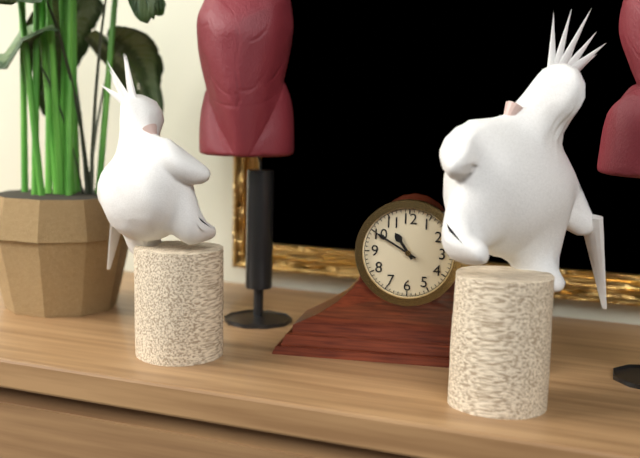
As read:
**10:50**
